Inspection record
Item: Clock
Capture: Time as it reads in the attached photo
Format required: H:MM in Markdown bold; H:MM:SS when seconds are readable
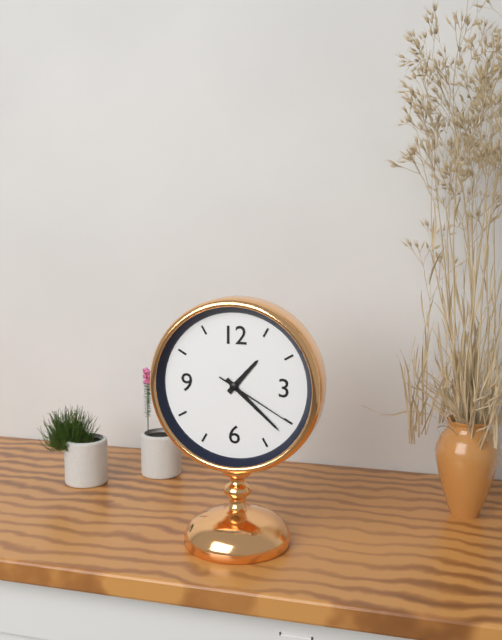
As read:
**1:22:20**
